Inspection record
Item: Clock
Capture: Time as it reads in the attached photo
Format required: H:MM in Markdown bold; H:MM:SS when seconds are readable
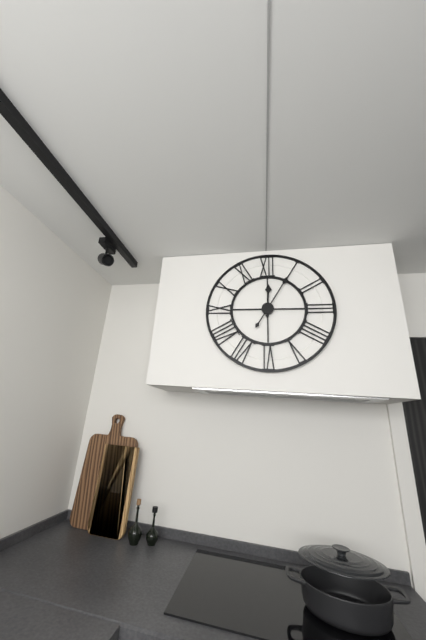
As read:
**12:05**
